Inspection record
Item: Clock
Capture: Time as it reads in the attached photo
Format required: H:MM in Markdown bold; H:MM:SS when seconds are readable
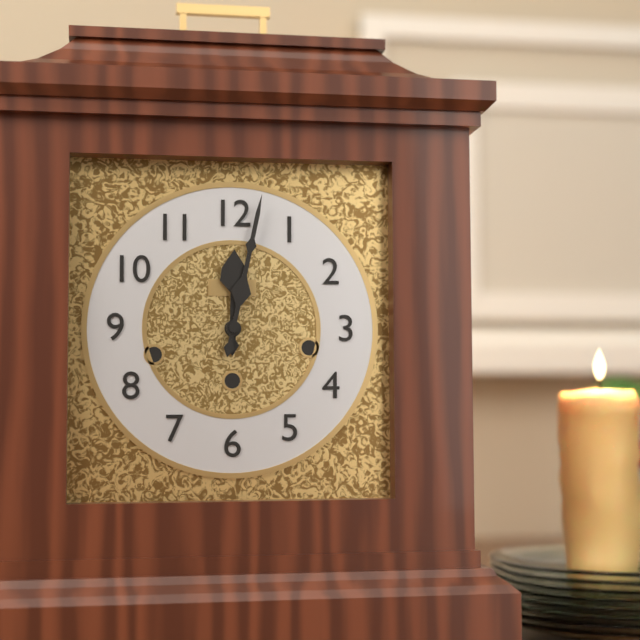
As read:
**12:02**
